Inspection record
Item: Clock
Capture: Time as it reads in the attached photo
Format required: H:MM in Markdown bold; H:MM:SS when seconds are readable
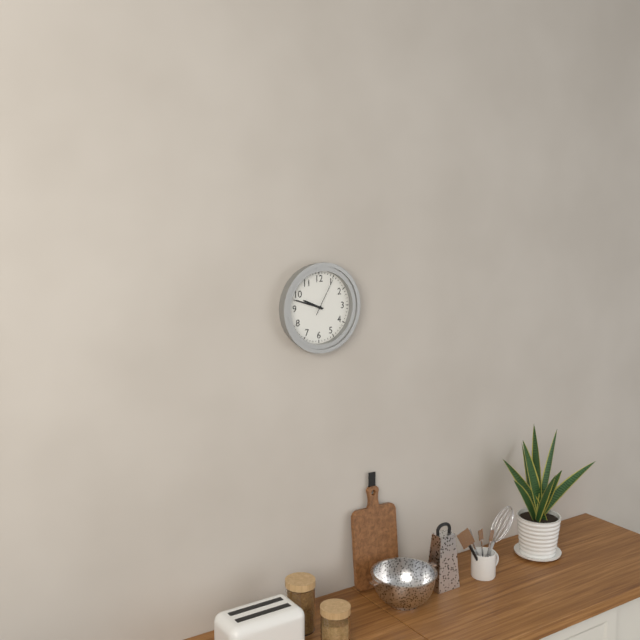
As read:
**9:48**
